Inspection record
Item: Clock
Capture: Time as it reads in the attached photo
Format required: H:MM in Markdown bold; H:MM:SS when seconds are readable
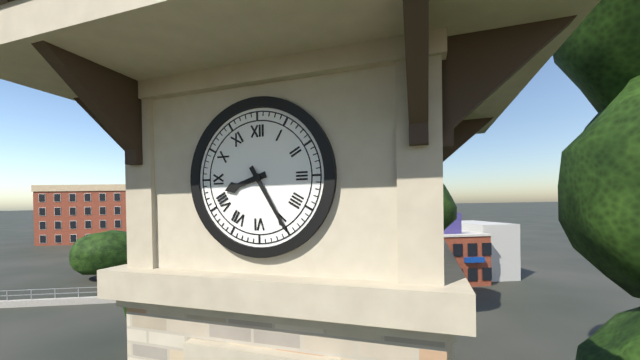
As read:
**8:25**
